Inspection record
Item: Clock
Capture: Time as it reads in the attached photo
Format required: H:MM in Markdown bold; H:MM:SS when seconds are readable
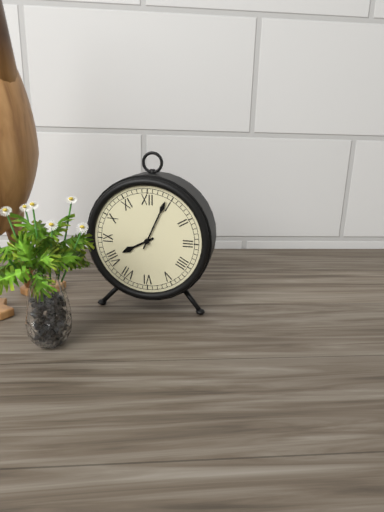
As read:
**8:04**
